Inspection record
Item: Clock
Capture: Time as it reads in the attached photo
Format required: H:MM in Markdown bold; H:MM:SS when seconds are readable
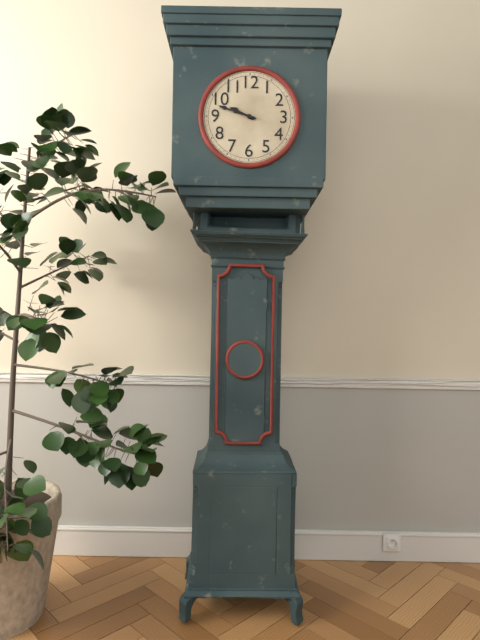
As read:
**9:48**
